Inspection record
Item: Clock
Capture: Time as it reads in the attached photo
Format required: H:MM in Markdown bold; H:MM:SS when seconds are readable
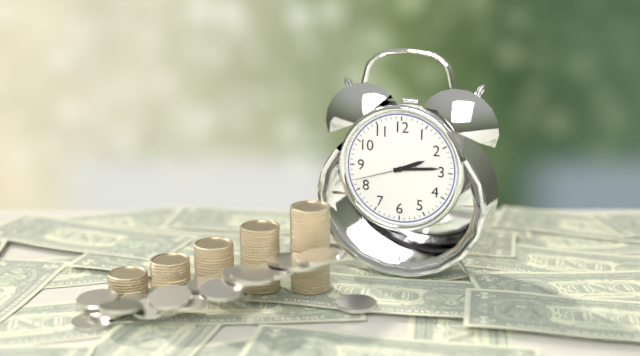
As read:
**2:14:42**
